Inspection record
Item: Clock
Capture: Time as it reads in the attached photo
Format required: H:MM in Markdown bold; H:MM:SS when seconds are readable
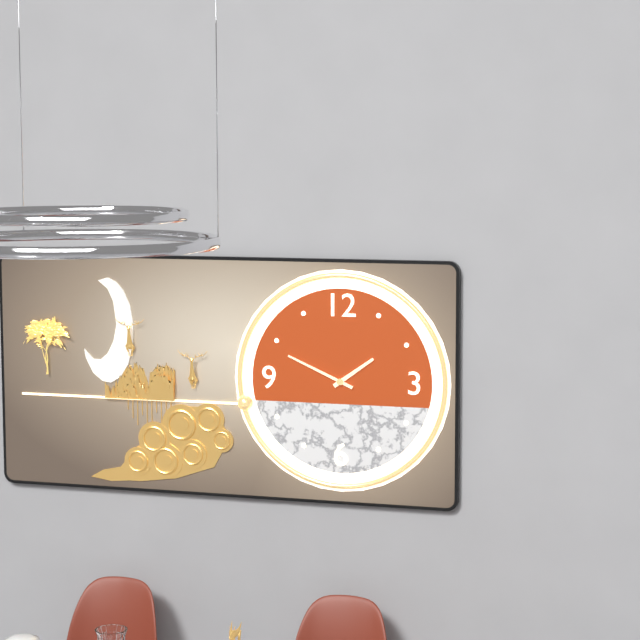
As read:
**1:49**
